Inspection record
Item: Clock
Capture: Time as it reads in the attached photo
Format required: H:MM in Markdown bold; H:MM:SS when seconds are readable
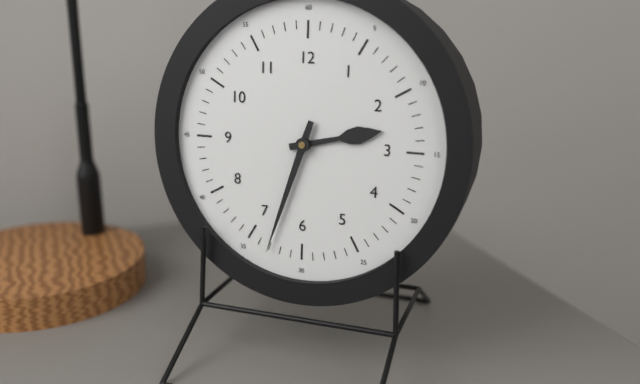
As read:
**2:33**
